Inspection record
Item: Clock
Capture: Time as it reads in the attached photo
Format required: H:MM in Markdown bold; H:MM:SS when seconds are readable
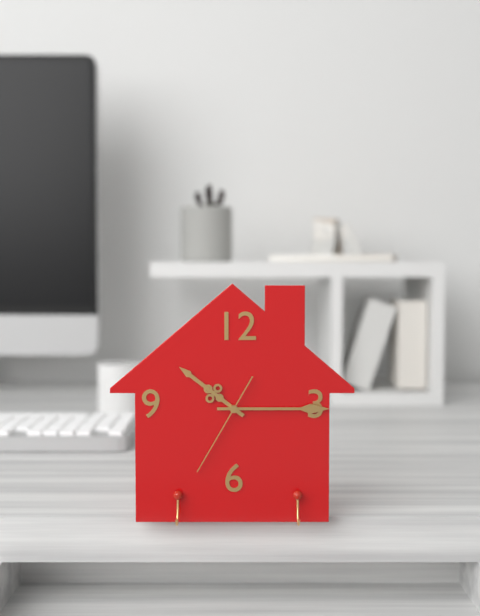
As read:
**10:15:35**
